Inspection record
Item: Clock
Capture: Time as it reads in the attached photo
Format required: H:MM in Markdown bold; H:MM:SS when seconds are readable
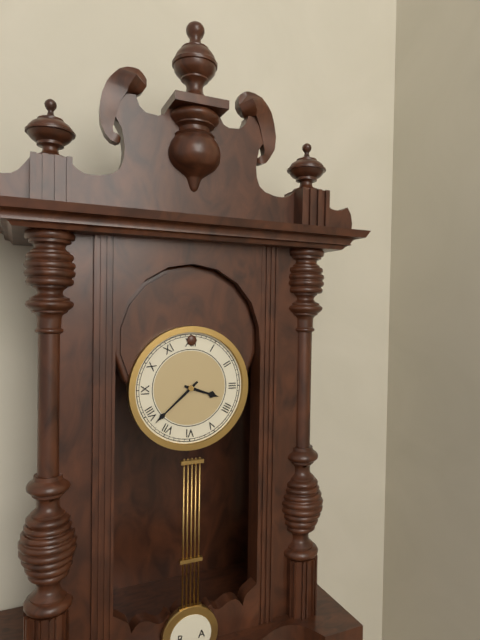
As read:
**3:38**
